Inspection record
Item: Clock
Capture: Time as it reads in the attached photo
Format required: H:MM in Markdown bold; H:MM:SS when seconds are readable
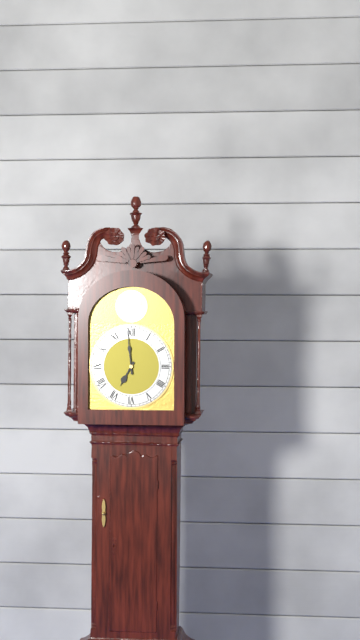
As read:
**6:59**
